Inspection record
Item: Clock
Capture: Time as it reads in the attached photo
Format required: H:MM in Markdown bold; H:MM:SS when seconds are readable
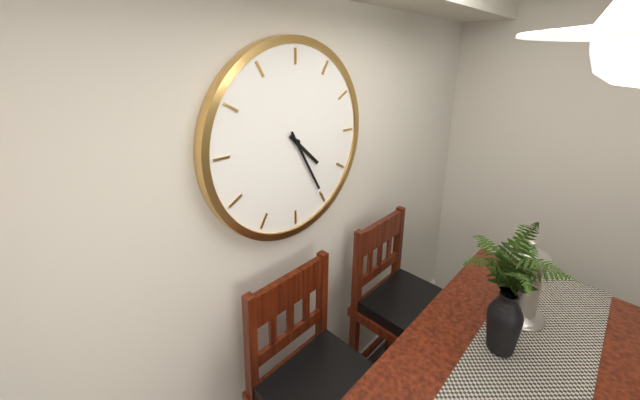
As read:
**4:25**
